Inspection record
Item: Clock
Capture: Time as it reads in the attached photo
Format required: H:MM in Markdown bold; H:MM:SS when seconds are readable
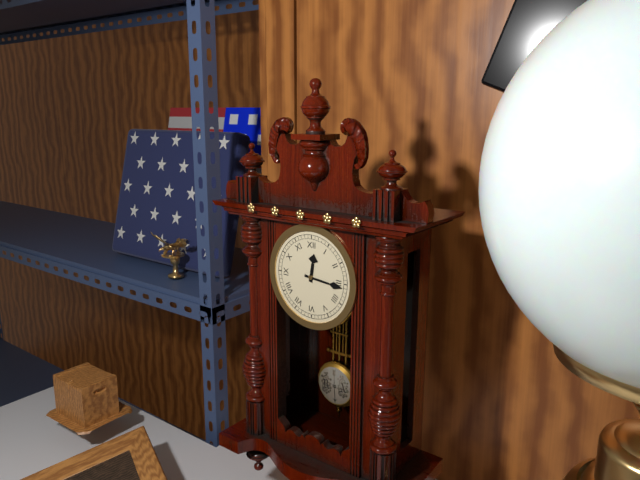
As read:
**12:16**
